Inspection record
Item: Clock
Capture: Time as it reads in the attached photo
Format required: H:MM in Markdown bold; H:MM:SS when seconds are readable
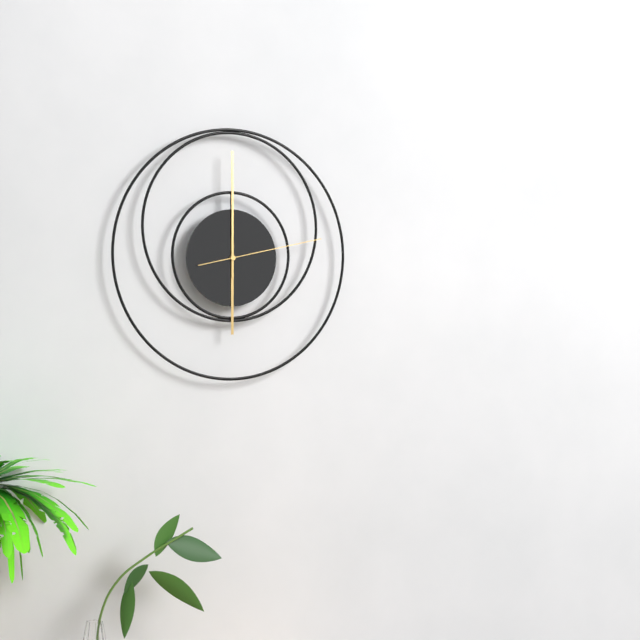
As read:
**6:00:13**
